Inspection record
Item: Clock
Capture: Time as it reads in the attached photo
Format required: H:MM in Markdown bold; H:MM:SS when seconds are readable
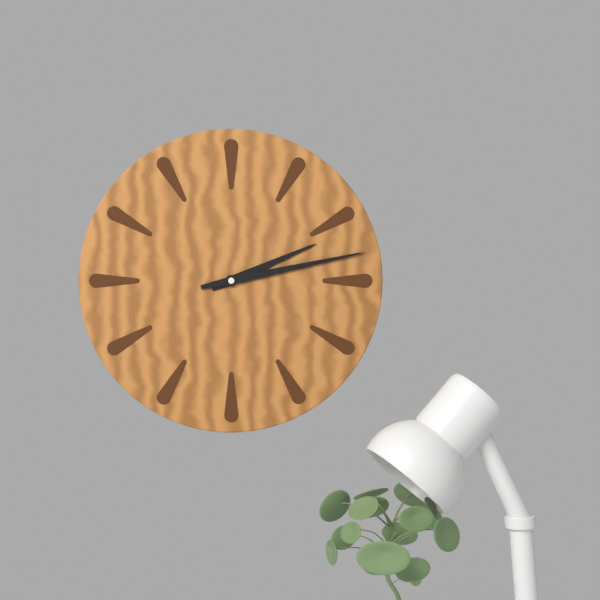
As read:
**2:13**
